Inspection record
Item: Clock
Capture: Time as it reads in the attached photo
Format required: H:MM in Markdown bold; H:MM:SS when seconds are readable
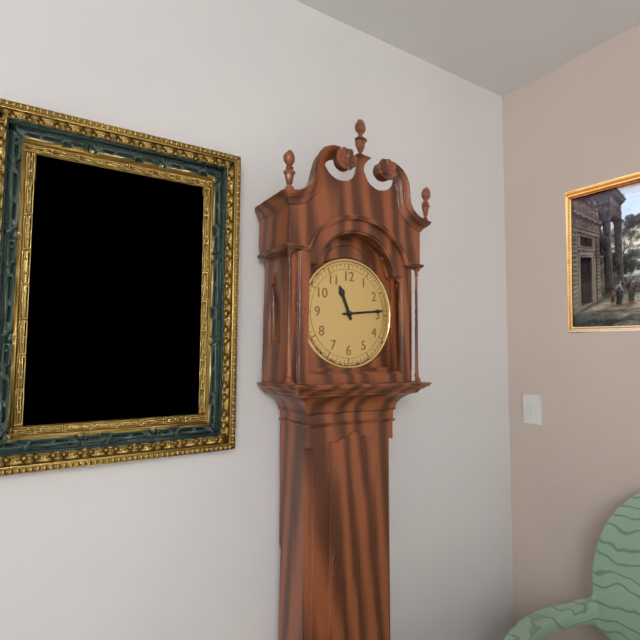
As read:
**11:14**
